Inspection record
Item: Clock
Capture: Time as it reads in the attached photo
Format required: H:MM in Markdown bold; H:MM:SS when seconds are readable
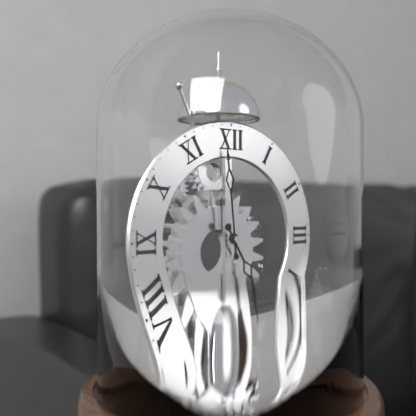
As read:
**4:59**
